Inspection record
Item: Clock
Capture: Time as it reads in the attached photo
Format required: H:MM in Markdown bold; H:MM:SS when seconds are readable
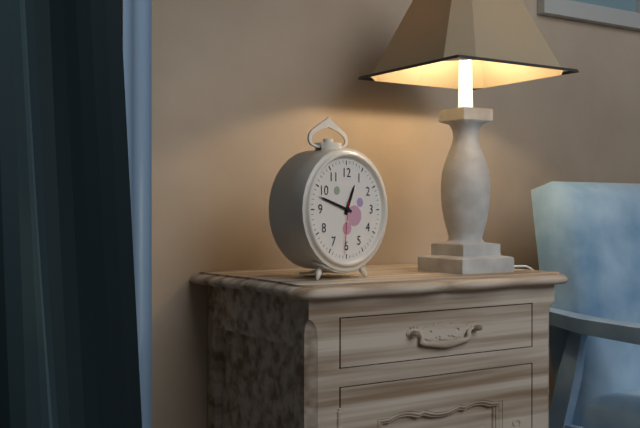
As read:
**12:48:31**
